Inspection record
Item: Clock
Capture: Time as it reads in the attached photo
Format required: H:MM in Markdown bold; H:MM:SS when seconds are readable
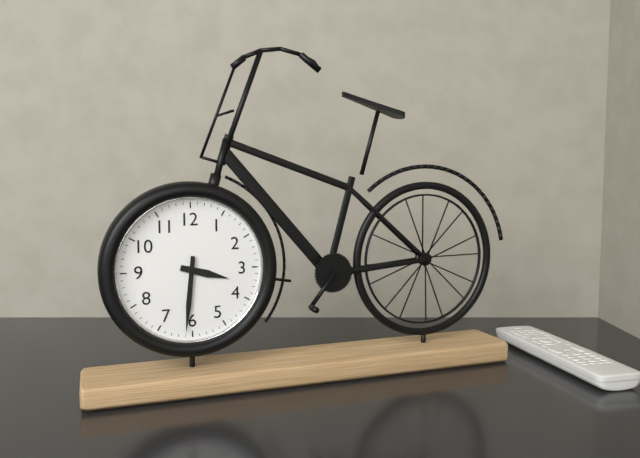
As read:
**3:31**
